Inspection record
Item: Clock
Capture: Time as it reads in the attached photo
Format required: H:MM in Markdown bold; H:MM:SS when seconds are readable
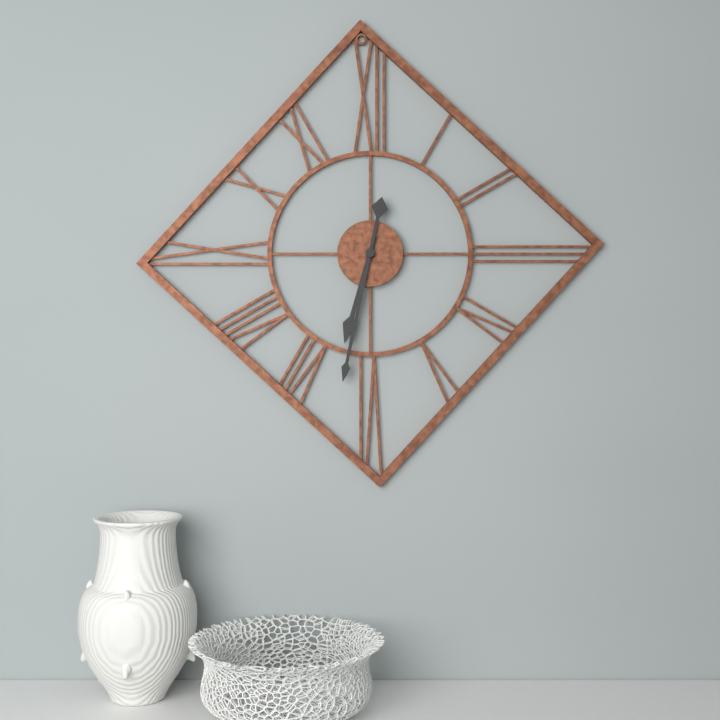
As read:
**6:32**
